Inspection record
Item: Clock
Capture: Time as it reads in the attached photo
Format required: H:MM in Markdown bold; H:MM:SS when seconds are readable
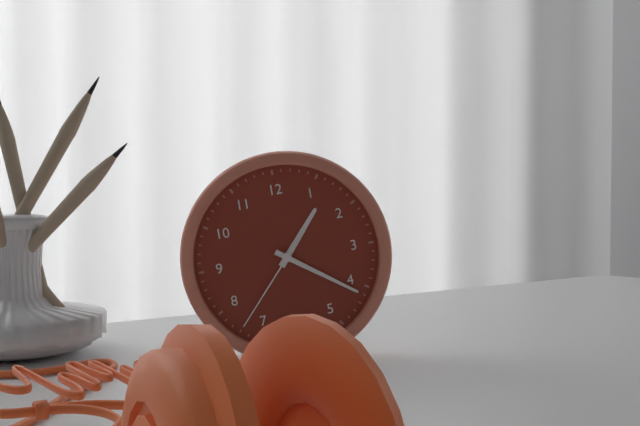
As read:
**1:21:37**
